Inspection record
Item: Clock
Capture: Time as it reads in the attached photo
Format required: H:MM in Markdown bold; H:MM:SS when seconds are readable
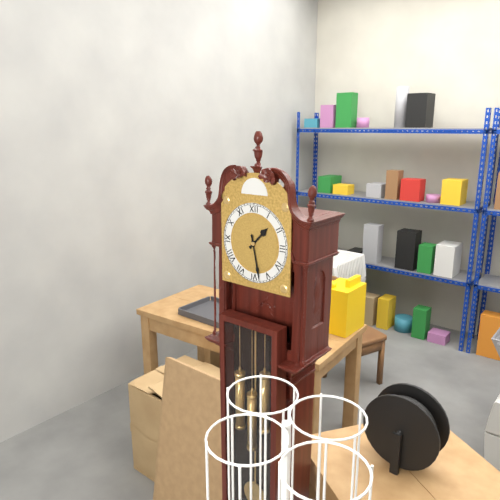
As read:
**1:28**
